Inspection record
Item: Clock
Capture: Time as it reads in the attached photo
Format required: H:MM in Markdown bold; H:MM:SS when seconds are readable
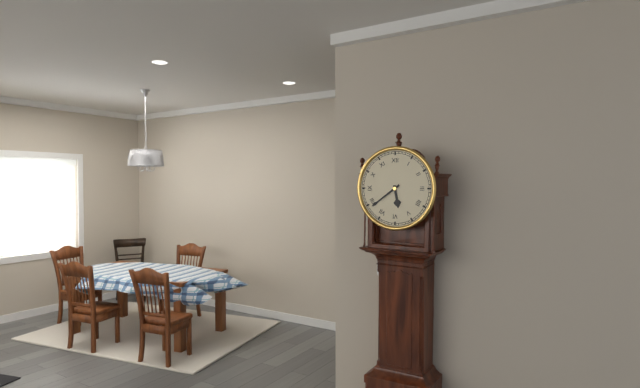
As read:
**5:39**
